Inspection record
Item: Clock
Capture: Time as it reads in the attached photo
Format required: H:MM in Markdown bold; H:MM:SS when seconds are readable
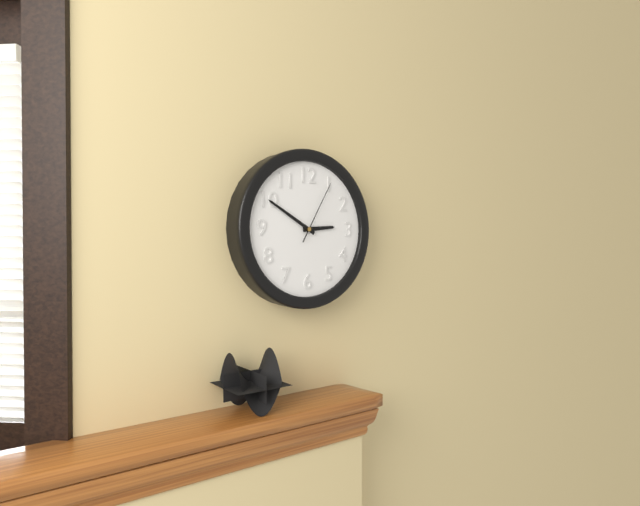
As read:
**2:50:05**
